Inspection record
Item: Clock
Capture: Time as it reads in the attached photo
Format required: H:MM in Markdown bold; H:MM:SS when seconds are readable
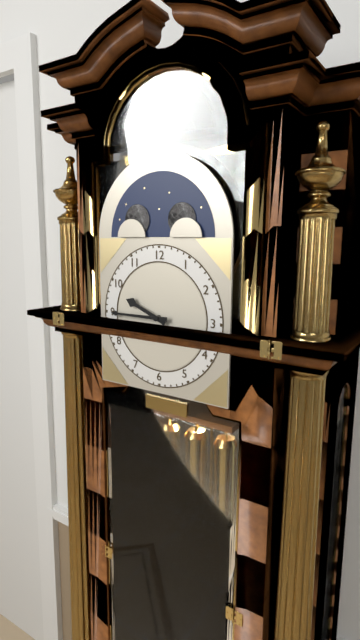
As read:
**9:45**
